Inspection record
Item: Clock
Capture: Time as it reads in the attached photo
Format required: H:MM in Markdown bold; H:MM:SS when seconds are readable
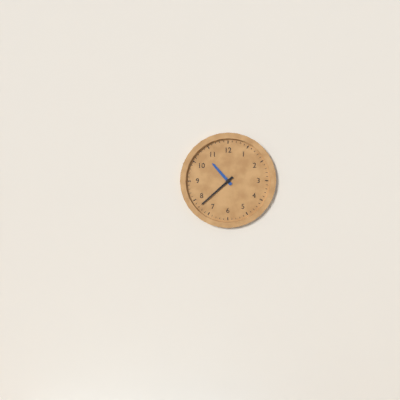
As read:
**10:38**
